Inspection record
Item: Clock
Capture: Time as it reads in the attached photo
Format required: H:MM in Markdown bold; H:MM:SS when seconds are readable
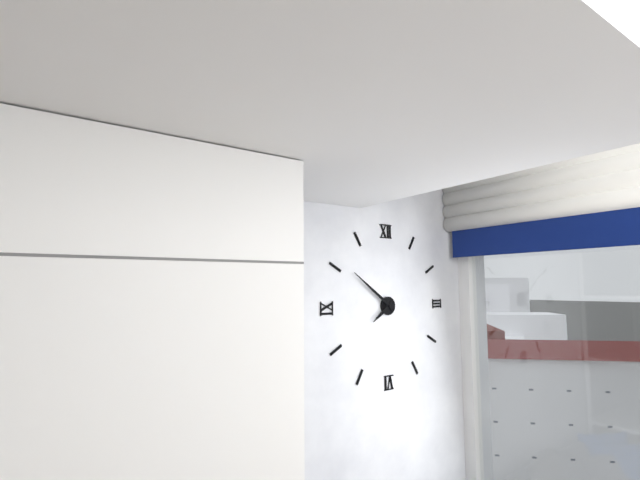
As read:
**7:51**
